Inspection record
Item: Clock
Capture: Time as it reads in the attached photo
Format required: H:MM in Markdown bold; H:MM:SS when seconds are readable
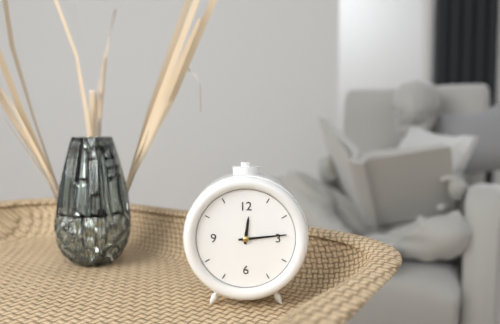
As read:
**12:14**
